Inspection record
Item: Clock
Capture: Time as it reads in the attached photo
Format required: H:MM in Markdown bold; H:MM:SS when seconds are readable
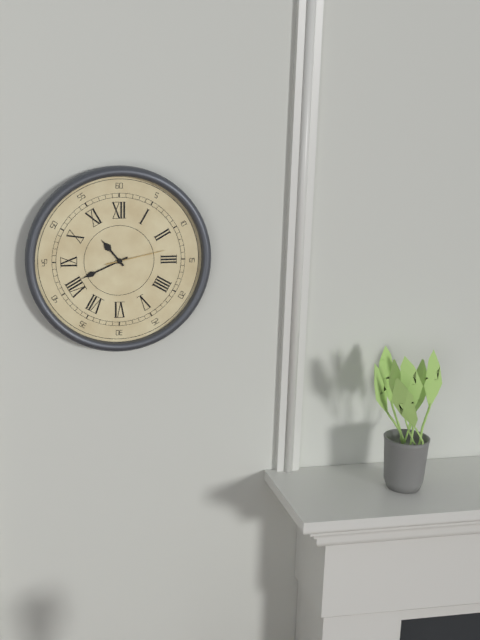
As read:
**10:41:13**
